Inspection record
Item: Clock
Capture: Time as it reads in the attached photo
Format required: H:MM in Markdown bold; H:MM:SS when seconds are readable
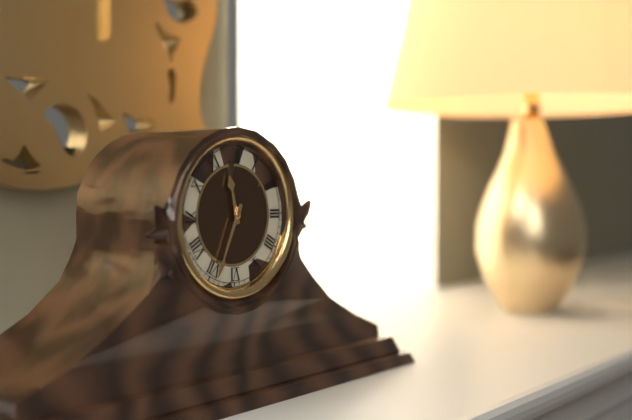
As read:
**11:34**
